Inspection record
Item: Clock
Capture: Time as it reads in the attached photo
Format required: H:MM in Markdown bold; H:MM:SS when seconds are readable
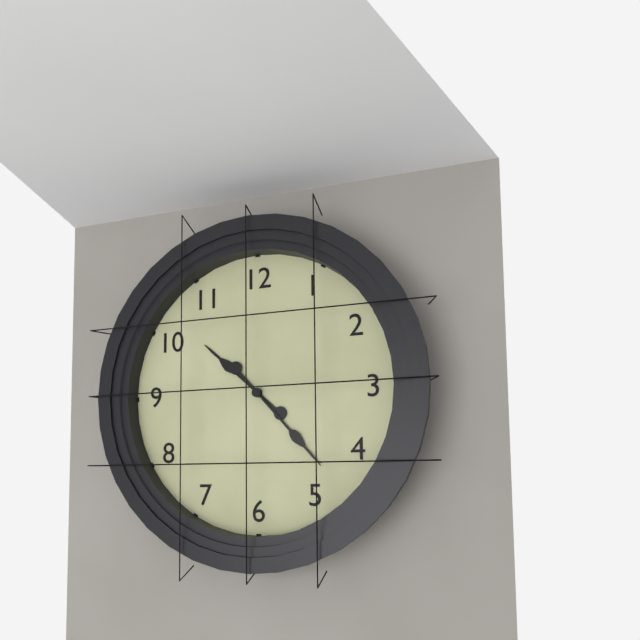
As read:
**10:23**
